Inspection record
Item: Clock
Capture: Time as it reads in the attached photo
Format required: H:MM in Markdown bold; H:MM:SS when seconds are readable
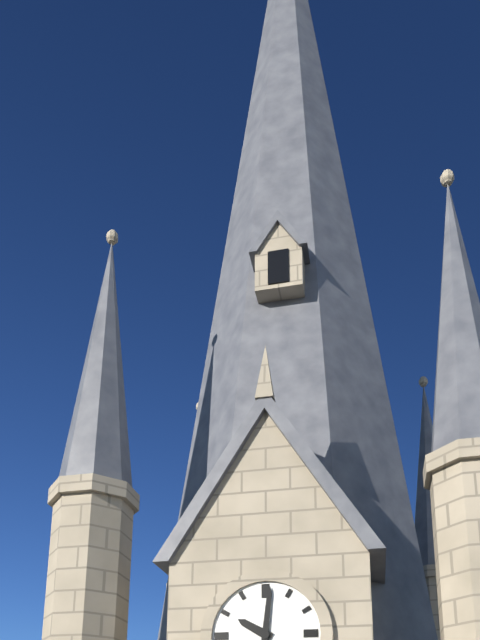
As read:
**10:01**
